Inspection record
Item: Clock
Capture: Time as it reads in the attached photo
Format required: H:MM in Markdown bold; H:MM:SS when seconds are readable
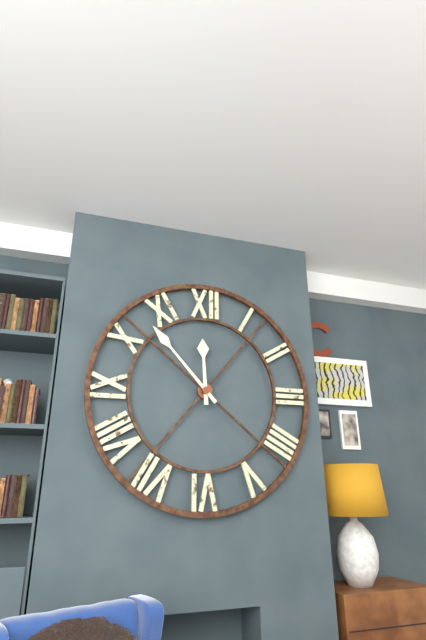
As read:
**11:53**
